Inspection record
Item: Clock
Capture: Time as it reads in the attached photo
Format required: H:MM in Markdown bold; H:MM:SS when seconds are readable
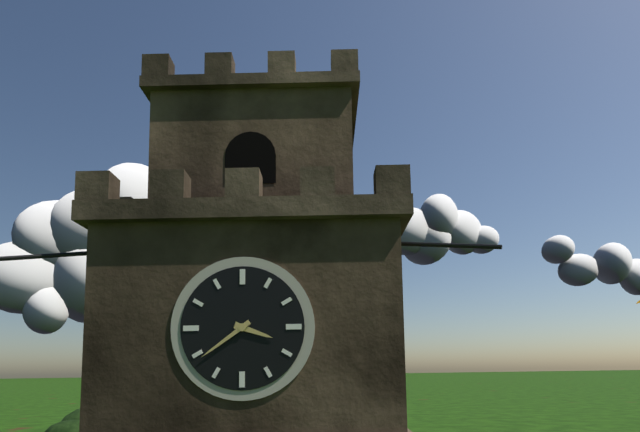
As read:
**3:39**
